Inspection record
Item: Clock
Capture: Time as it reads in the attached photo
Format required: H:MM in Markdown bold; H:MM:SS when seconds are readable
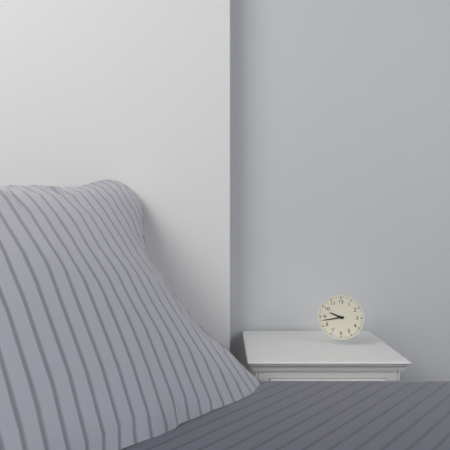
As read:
**9:43**
